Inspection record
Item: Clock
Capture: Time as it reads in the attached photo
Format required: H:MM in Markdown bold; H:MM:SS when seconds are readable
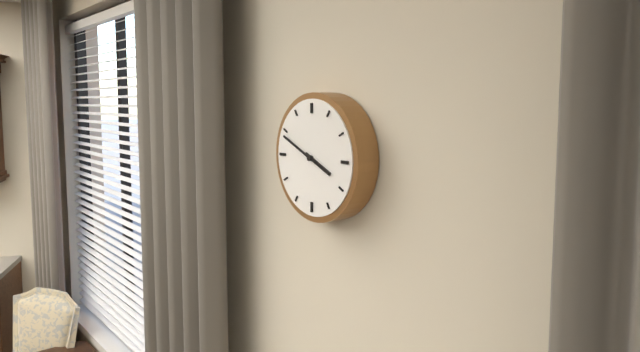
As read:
**3:49**
